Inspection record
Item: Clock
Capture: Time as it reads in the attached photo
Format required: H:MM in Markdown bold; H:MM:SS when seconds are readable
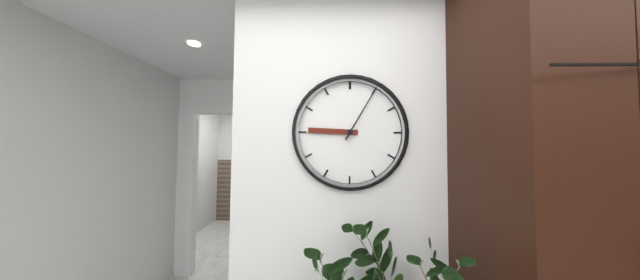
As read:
**9:05**
